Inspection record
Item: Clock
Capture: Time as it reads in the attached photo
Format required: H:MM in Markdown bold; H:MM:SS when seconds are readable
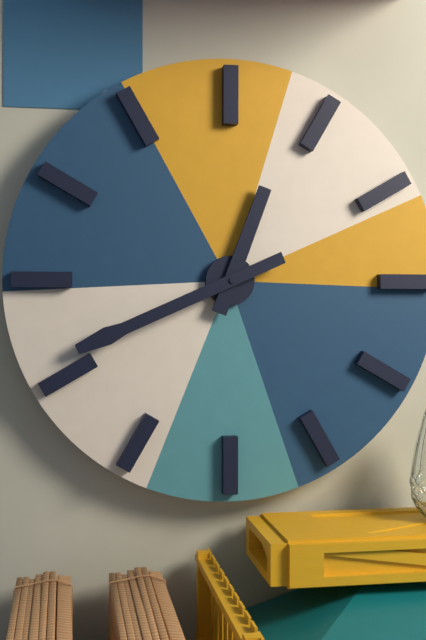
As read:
**12:41**
